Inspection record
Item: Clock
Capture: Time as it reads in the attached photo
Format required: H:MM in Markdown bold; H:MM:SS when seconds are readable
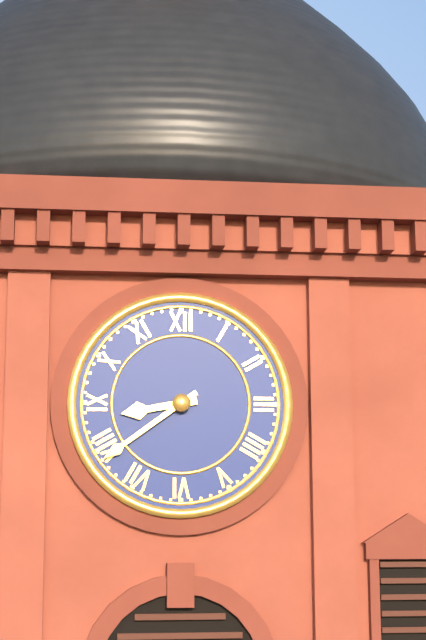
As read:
**8:39**
